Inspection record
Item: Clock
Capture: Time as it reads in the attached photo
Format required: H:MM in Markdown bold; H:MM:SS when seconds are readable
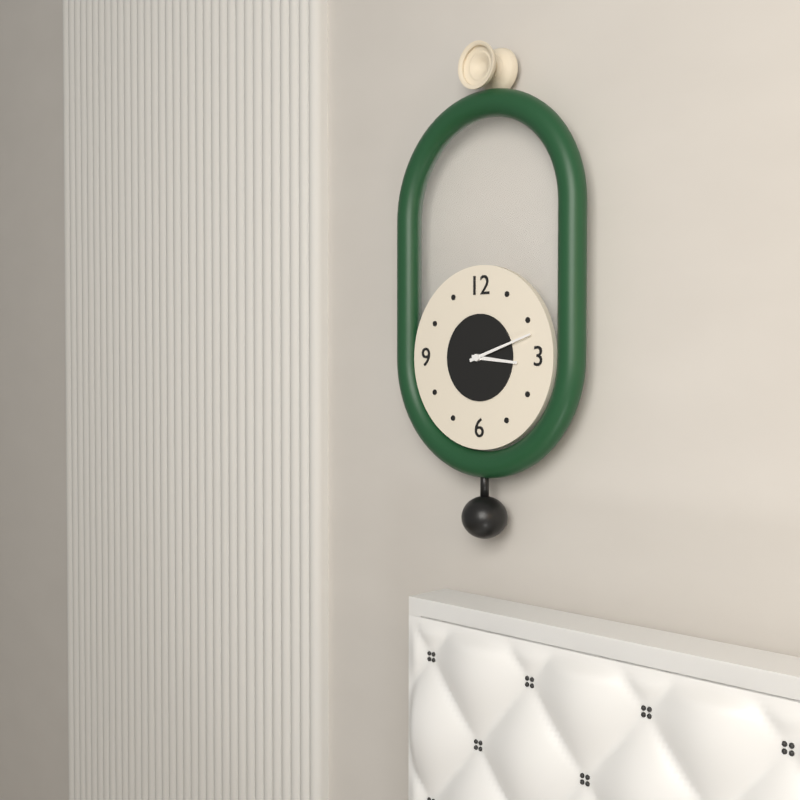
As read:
**3:12**
